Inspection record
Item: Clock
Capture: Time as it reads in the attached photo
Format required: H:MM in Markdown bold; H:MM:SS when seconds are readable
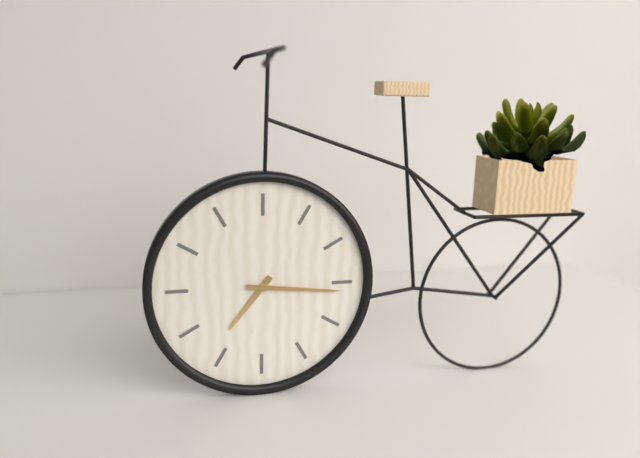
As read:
**7:16**
